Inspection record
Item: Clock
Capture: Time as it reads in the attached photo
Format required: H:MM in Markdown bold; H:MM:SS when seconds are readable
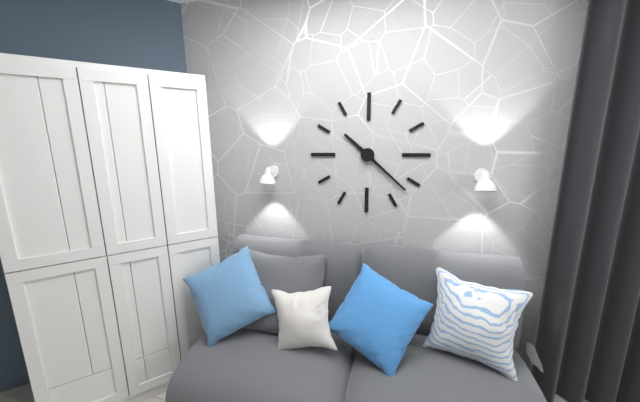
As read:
**10:22**
